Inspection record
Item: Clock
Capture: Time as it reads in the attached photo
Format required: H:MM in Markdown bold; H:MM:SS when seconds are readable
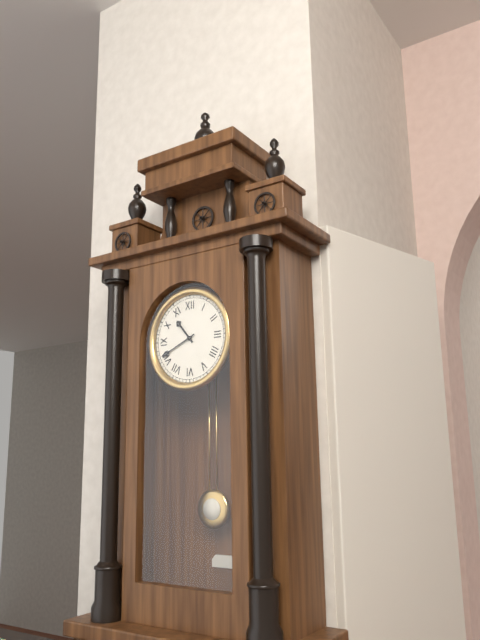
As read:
**10:41**
